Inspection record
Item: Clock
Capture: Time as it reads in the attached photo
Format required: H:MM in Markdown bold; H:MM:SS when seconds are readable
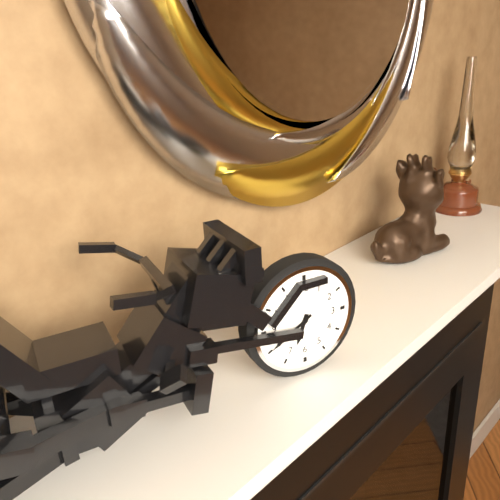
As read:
**6:40**
